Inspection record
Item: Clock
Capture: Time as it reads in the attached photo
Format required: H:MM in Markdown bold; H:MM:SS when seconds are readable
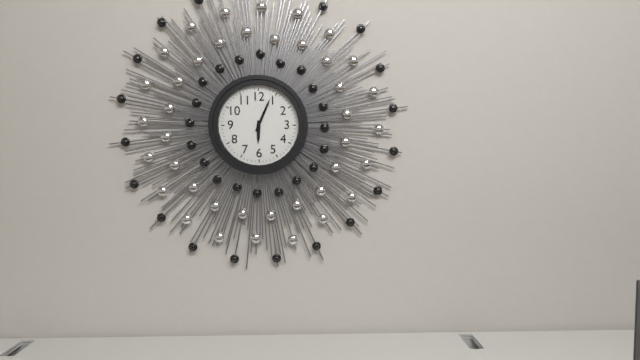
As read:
**6:04**
